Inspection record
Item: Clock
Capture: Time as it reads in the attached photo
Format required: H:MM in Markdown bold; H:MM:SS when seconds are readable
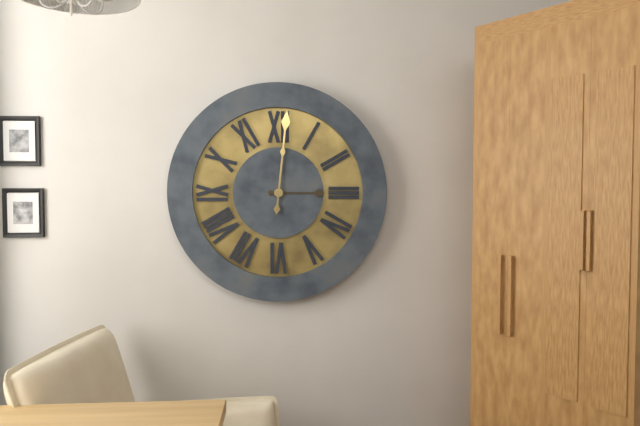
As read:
**3:01**
